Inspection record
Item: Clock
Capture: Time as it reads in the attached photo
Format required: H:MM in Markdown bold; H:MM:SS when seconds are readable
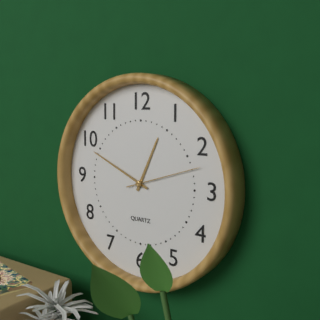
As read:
**12:49:12**
